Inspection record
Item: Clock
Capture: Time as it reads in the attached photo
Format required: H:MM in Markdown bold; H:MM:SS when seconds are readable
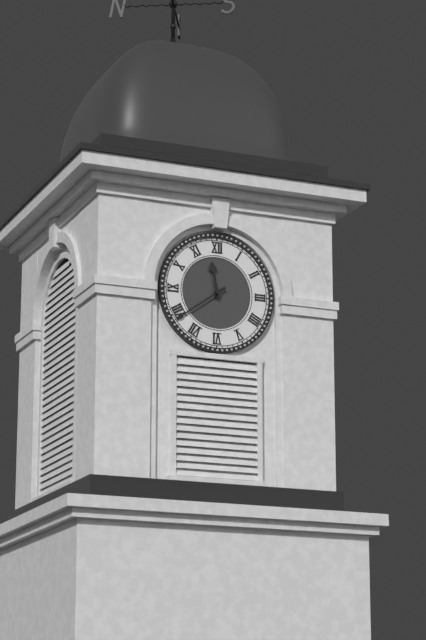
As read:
**11:39**
